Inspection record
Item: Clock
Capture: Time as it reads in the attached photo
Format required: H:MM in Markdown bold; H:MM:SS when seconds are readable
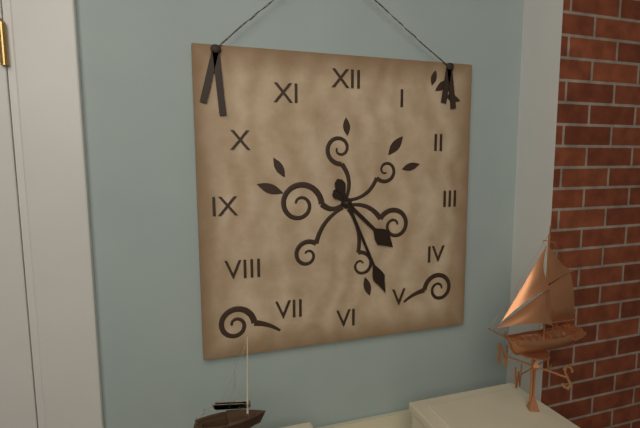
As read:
**4:26**
